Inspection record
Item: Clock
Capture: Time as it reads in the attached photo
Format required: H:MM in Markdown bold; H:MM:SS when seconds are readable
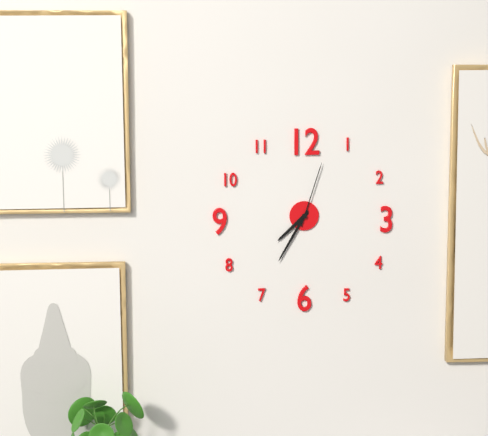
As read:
**7:35:03**
